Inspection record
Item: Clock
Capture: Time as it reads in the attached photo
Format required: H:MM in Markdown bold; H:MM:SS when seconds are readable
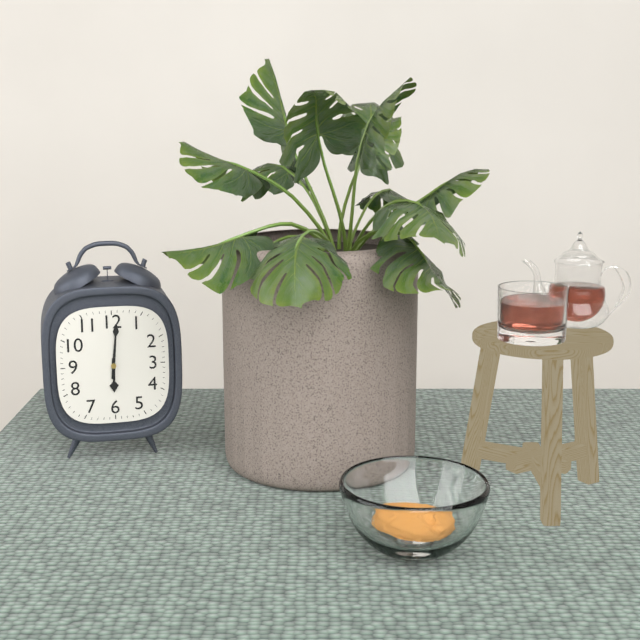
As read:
**6:01**
